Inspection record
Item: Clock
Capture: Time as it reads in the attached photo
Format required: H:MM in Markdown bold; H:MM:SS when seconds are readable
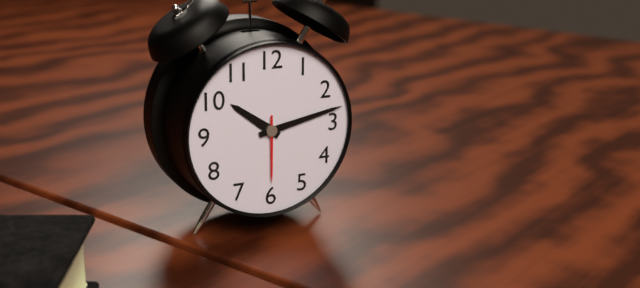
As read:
**10:13:30**
